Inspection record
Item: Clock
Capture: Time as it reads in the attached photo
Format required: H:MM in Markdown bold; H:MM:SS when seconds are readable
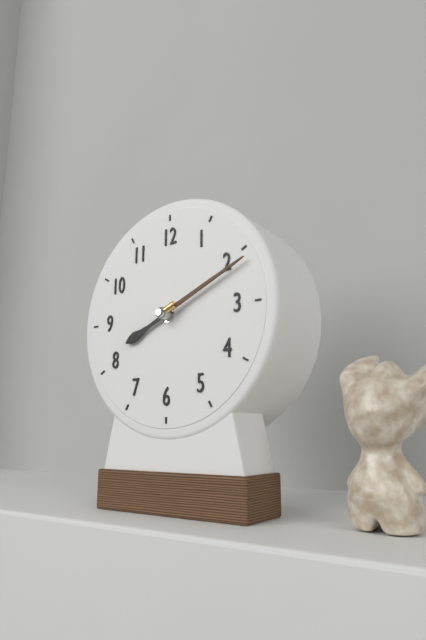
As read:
**8:11**
